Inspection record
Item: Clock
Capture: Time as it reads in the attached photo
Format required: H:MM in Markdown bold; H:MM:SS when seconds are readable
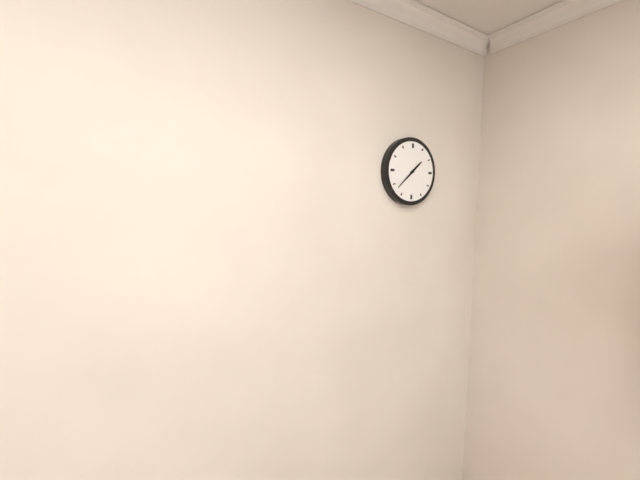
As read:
**1:38**
